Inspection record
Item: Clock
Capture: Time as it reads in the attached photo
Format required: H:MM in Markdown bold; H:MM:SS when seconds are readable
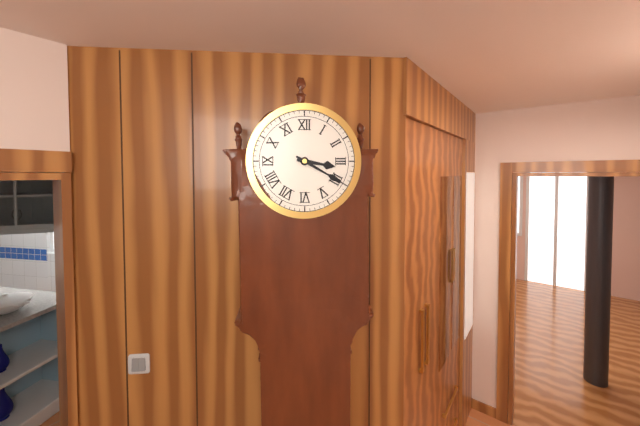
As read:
**3:20**
